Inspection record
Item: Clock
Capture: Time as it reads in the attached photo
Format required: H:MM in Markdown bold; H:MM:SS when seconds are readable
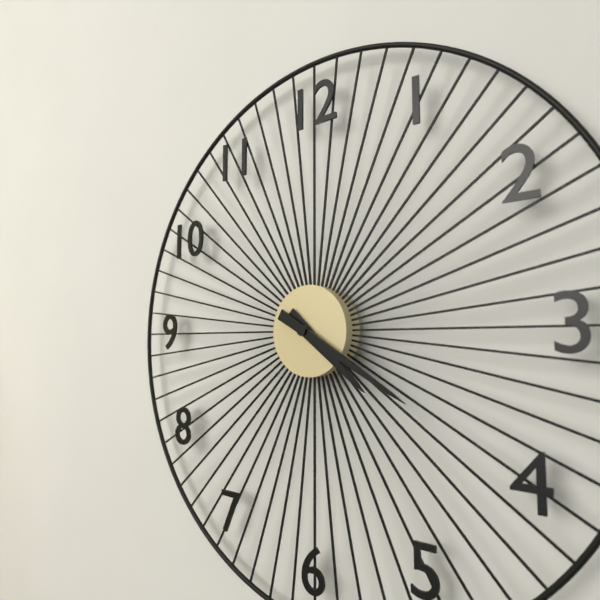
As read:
**4:20**
